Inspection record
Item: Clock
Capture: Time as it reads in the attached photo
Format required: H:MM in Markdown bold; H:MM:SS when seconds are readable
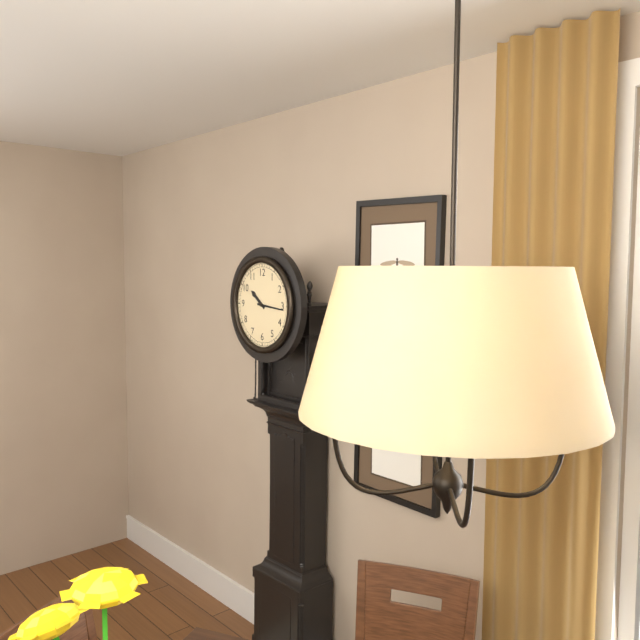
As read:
**10:16**
